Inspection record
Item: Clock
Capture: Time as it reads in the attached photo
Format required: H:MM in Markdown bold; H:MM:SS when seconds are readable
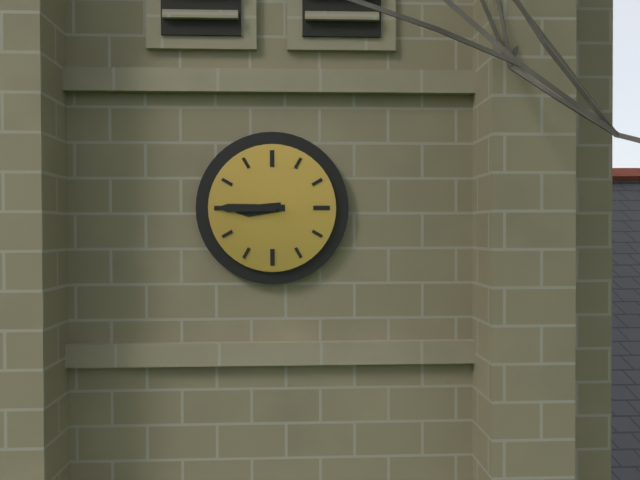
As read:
**8:45**
